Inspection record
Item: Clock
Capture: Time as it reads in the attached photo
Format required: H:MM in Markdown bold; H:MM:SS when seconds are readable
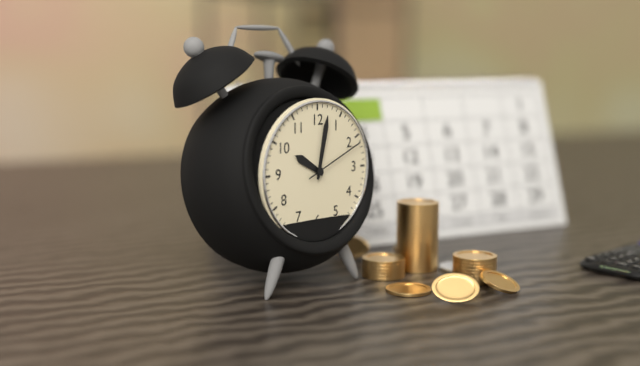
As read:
**10:02:11**
